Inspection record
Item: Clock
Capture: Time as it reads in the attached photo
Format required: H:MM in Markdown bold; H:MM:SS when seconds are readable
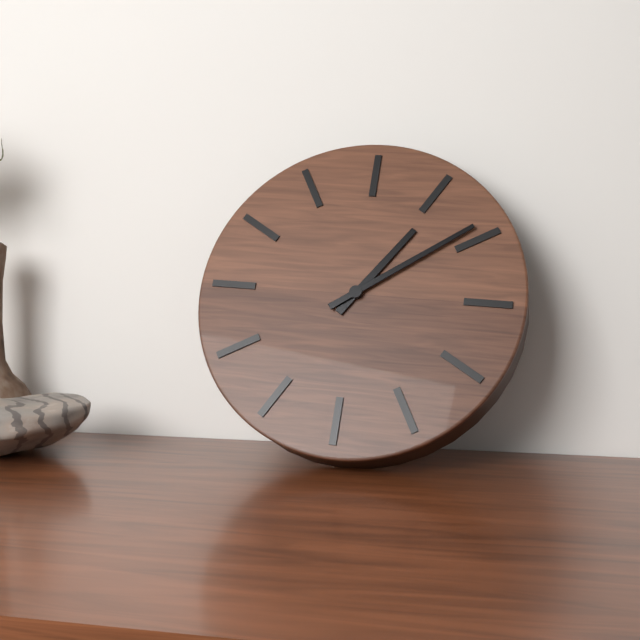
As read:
**1:09**
